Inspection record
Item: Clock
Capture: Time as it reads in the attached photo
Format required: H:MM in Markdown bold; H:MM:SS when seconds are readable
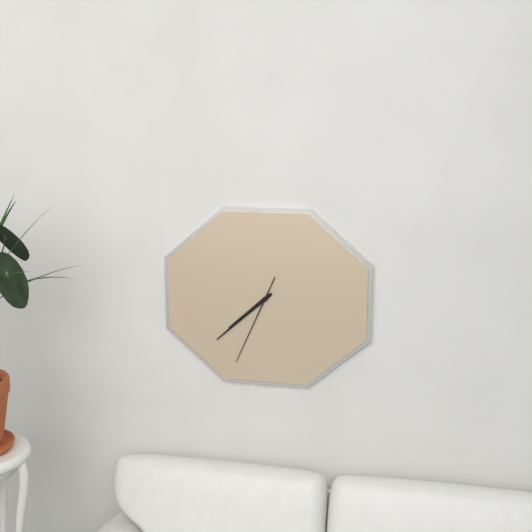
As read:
**7:38:34**
